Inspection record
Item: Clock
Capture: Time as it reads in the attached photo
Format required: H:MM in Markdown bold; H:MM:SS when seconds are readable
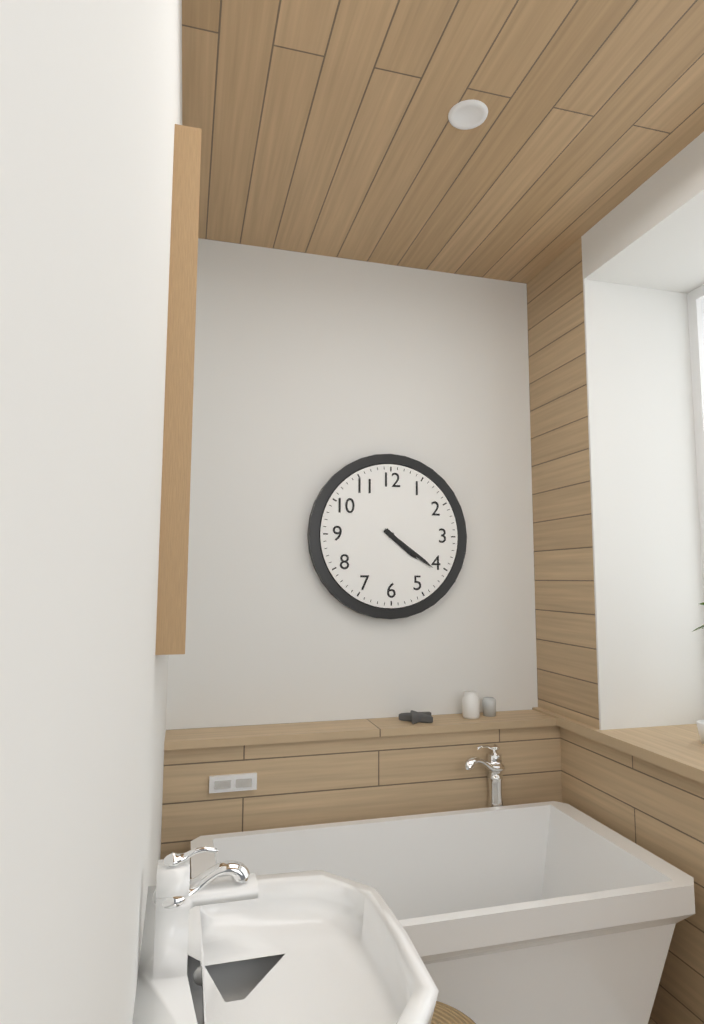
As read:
**4:21**
